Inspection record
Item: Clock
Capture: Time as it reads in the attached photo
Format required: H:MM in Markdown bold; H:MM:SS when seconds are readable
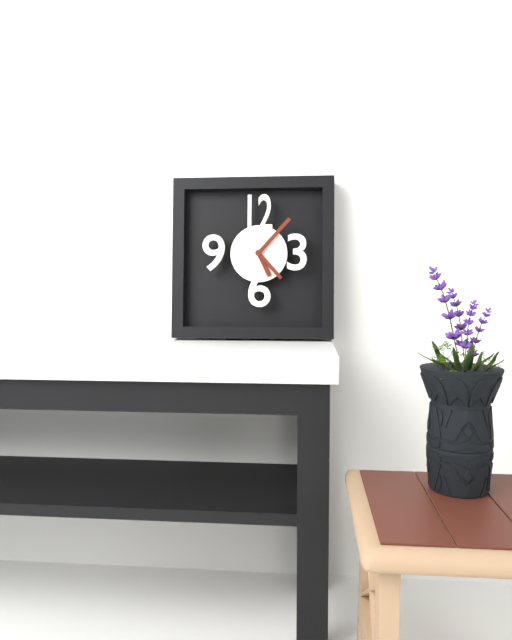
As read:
**5:07**
